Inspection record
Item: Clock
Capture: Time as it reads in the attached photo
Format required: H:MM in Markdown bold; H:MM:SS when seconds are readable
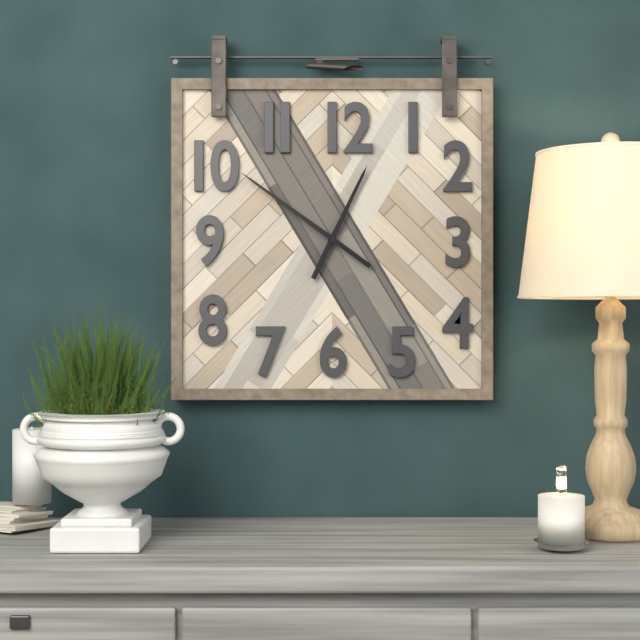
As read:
**12:51**
